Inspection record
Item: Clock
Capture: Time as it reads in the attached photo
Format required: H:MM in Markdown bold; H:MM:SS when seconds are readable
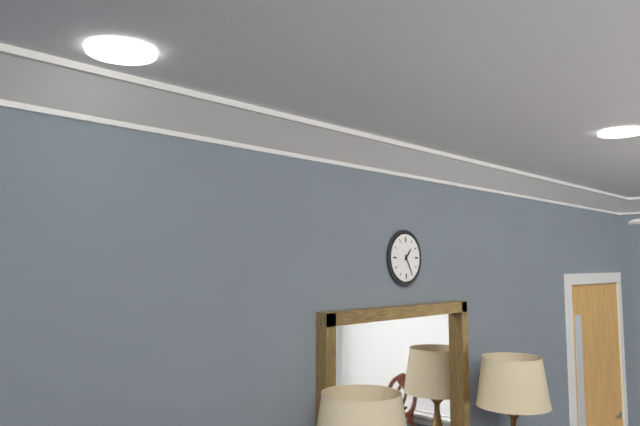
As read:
**1:25**
